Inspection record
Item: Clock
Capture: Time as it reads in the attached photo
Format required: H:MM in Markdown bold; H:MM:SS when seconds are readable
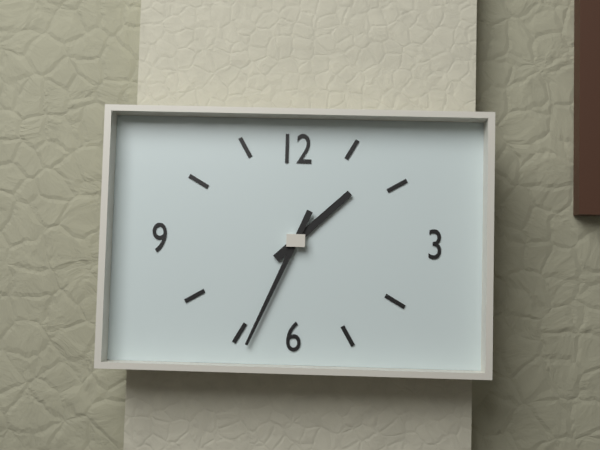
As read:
**1:34**
